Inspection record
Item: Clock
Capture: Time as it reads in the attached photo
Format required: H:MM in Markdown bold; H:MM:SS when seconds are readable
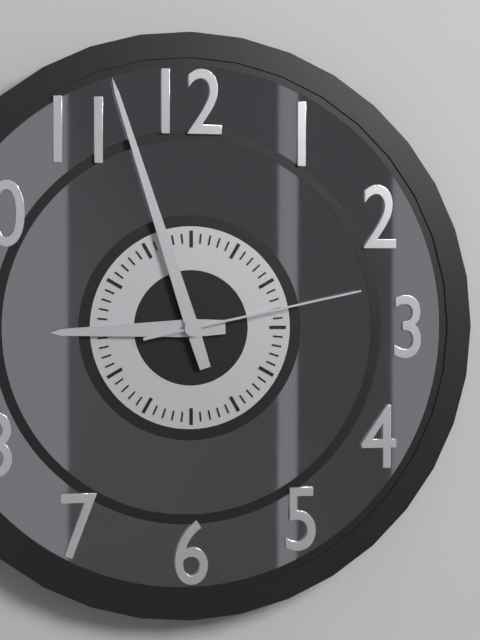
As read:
**8:57:13**
